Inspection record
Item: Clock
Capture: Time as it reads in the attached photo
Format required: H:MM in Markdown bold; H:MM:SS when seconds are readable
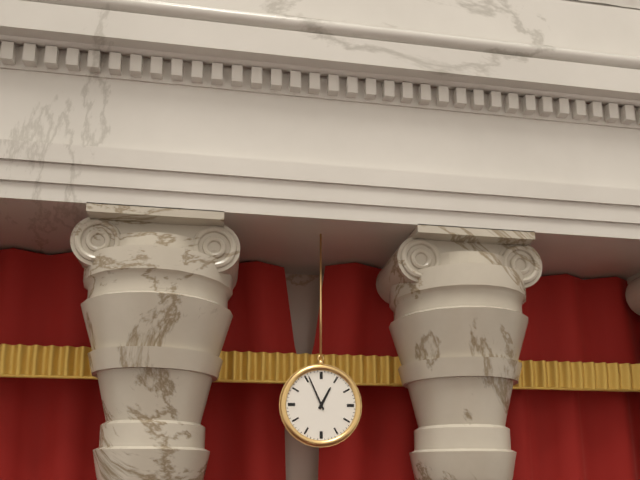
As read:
**12:56**
